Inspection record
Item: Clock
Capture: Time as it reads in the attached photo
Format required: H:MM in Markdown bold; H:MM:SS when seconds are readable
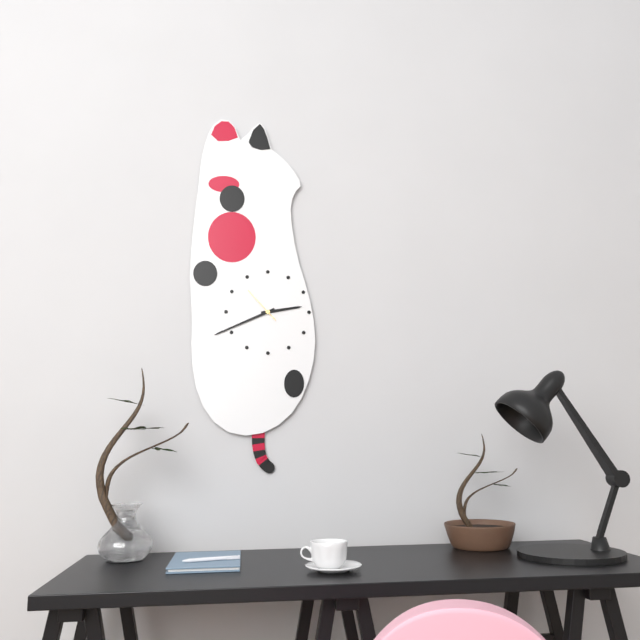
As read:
**2:41**
